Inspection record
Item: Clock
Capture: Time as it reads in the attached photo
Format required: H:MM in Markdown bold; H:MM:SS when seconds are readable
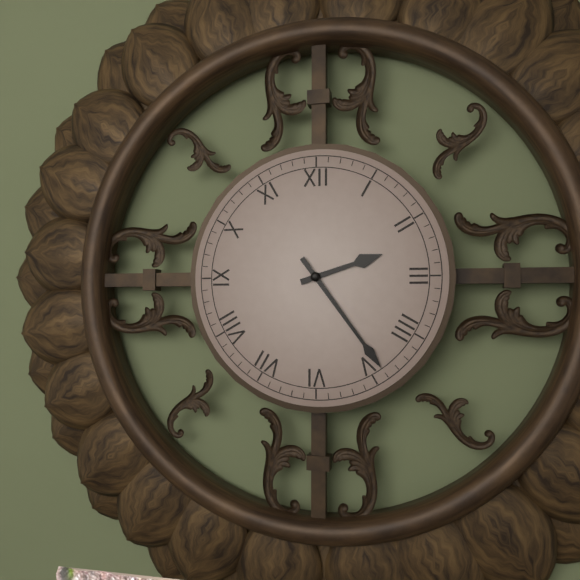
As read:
**2:24**
